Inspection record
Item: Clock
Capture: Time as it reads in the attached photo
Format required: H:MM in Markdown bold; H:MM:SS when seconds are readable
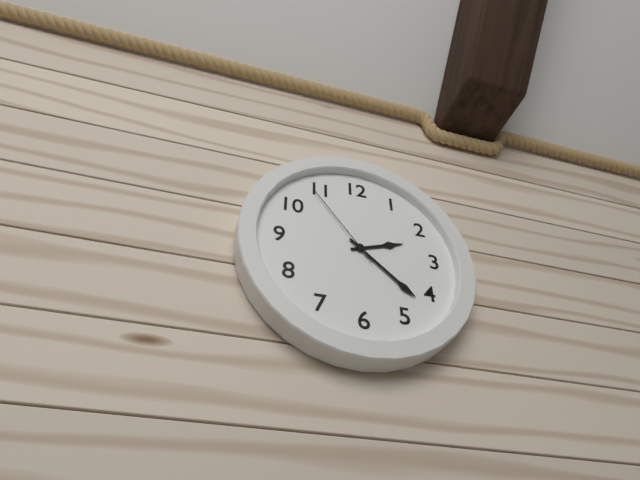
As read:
**2:22:54**
